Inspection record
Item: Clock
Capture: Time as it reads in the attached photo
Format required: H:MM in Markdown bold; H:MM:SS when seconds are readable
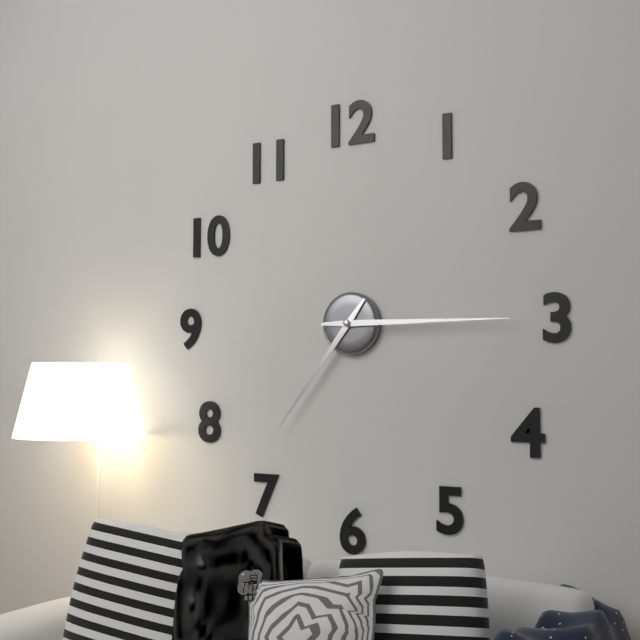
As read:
**7:15**
